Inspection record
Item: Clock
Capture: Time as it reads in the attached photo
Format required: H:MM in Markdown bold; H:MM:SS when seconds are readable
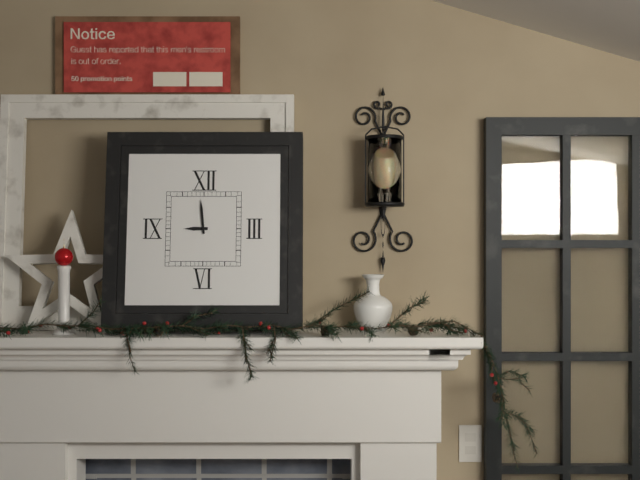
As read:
**8:59**
